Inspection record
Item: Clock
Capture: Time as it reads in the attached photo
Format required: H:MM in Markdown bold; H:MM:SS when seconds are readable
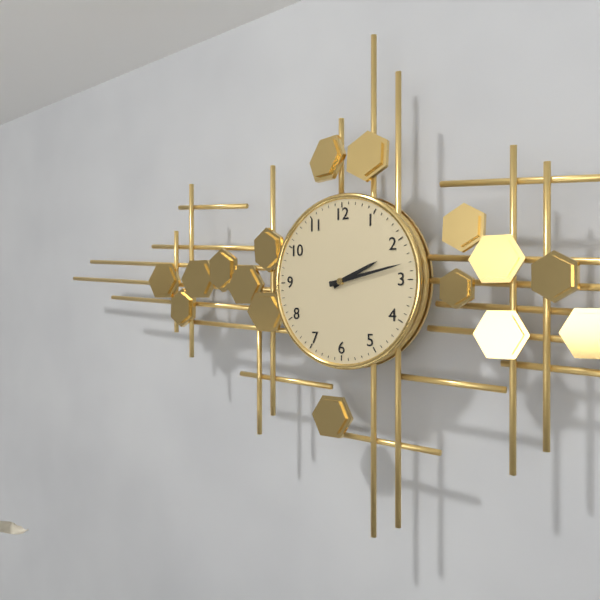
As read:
**2:13**
